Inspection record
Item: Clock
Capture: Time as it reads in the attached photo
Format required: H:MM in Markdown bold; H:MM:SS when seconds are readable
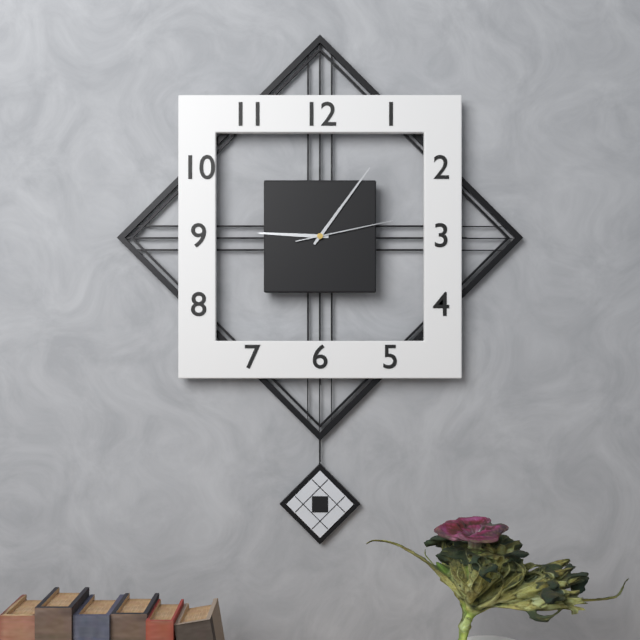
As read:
**9:06:13**
